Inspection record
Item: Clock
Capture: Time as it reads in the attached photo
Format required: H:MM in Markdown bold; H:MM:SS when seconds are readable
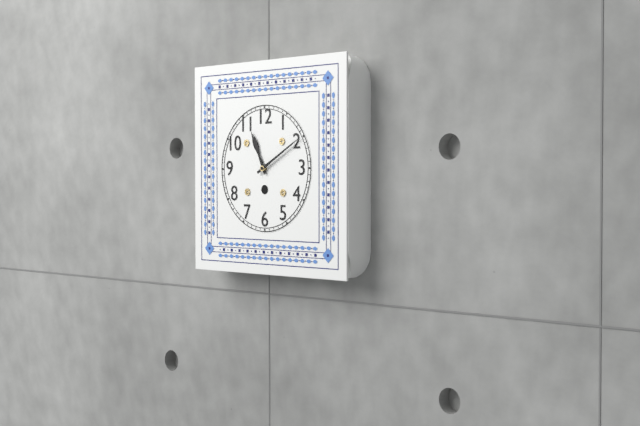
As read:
**11:10**
